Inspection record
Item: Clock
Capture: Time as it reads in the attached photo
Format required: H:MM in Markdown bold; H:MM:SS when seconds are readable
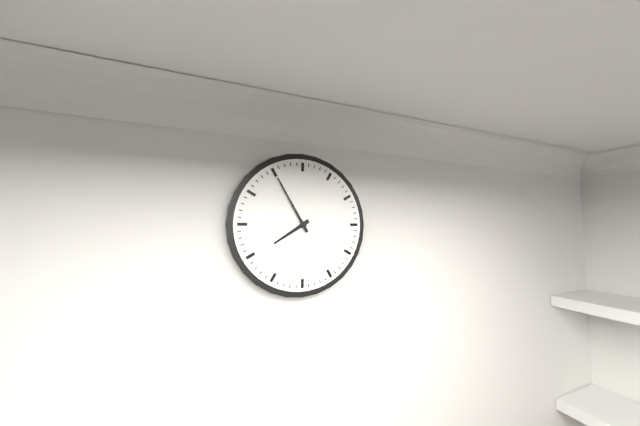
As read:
**7:55**
